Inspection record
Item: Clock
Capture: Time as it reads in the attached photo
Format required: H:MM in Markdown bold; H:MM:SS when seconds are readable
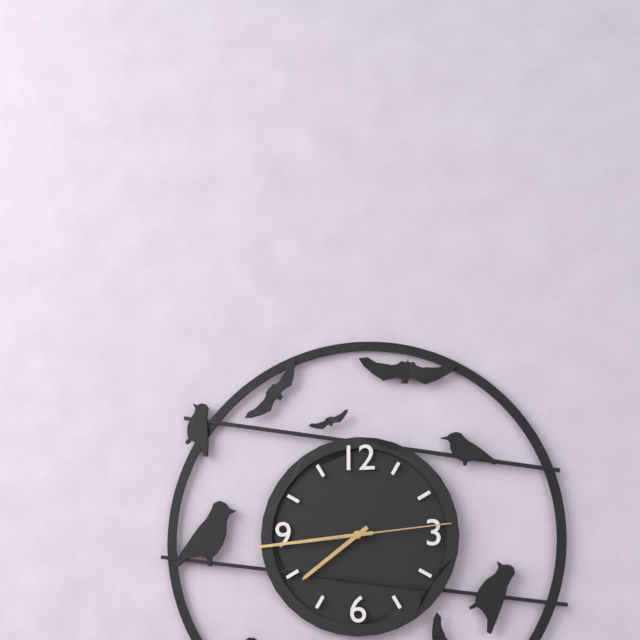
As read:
**7:44:14**
